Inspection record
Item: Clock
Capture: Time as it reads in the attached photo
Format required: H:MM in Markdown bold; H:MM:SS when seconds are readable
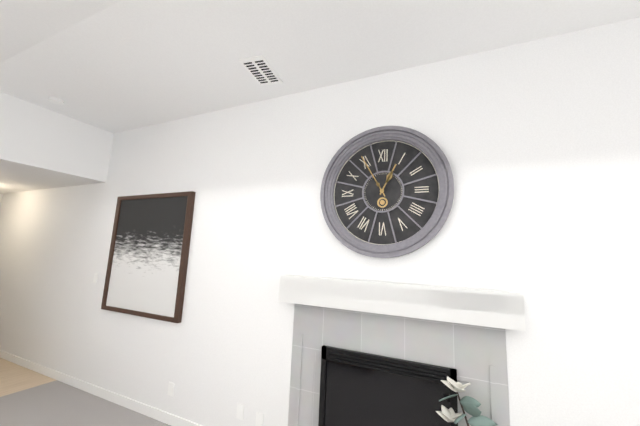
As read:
**12:55**
